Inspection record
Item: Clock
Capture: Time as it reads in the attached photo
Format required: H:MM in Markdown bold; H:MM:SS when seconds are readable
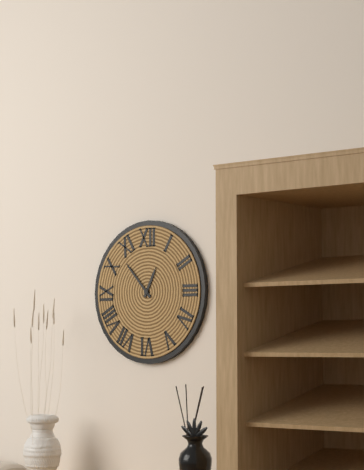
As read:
**12:53**
